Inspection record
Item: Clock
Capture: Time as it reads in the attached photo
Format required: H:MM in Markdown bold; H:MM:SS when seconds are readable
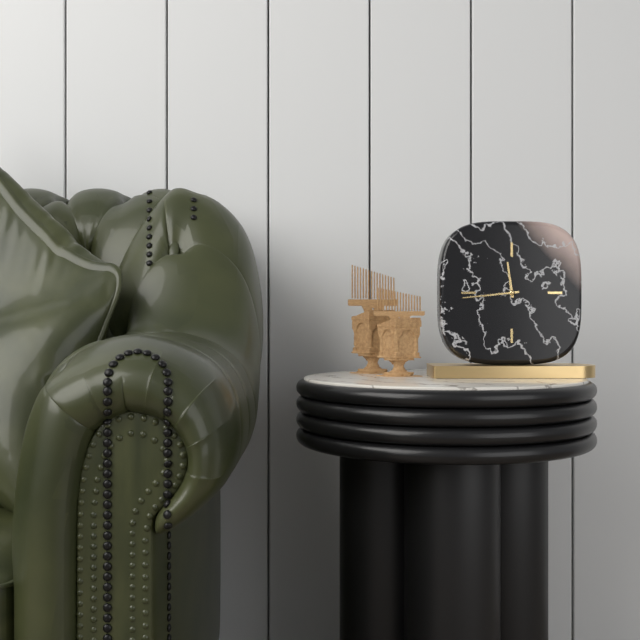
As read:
**11:44**
